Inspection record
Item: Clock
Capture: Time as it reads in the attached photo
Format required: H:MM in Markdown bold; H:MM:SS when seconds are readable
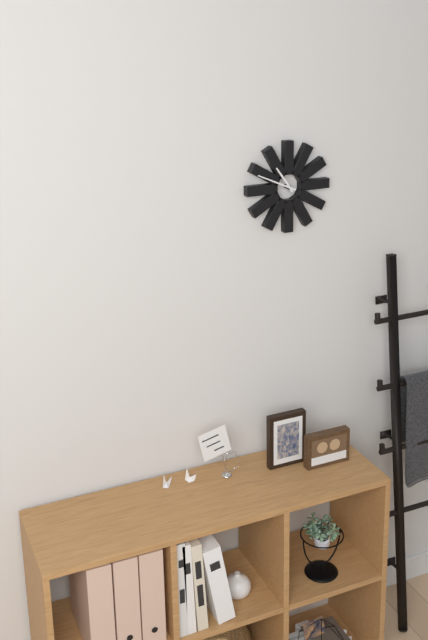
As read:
**10:49**
